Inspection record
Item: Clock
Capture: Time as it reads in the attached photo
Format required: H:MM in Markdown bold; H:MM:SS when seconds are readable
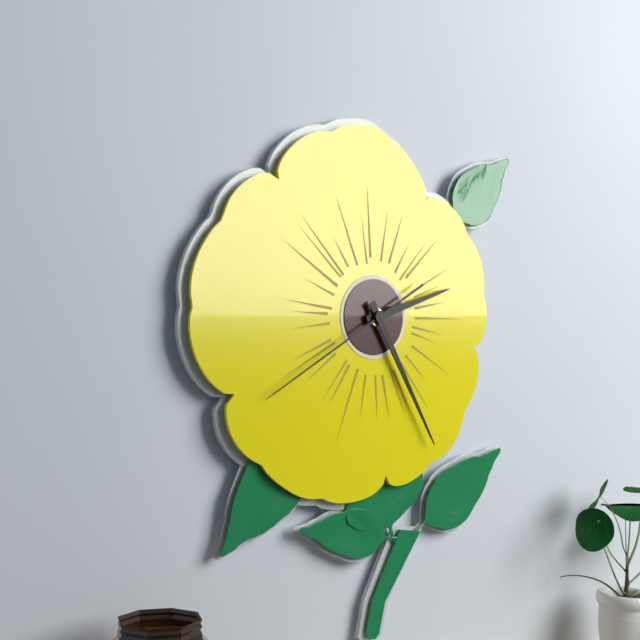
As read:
**2:25:40**
